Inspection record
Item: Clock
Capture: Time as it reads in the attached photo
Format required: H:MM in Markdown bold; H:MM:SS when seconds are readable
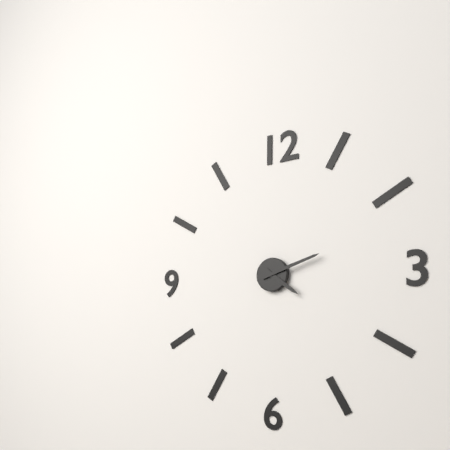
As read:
**4:12**
